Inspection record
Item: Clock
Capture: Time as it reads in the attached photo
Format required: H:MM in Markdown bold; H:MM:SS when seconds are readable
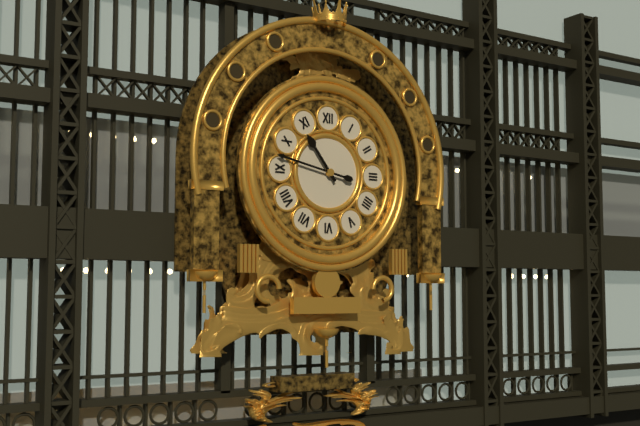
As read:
**10:47**
